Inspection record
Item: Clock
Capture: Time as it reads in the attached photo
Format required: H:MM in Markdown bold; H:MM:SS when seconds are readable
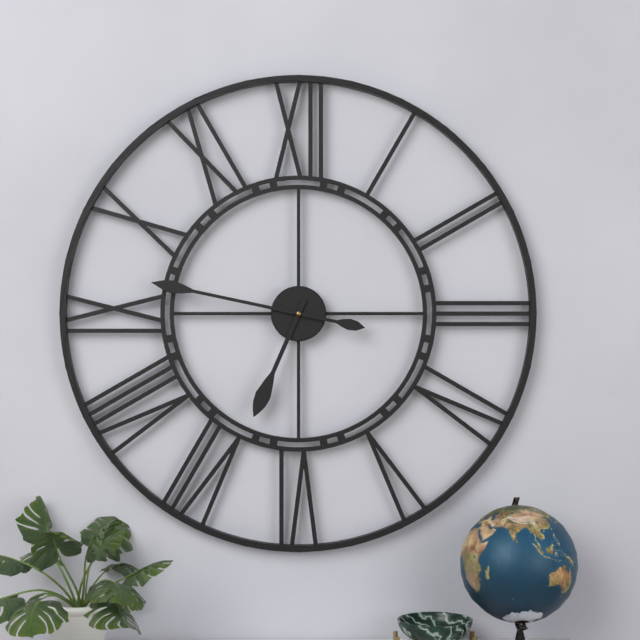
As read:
**6:47**
